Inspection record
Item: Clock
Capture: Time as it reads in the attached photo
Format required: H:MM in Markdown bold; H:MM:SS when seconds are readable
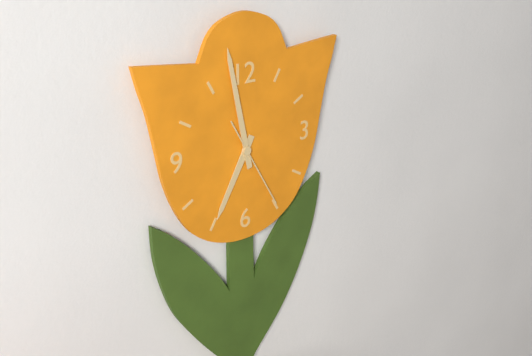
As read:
**6:58:25**
